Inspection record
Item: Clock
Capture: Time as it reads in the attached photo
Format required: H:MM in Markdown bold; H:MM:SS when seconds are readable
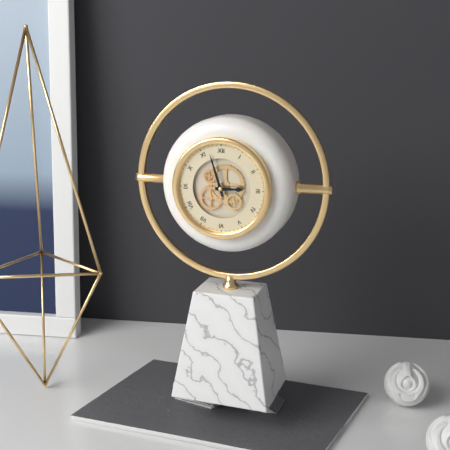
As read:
**2:57**
